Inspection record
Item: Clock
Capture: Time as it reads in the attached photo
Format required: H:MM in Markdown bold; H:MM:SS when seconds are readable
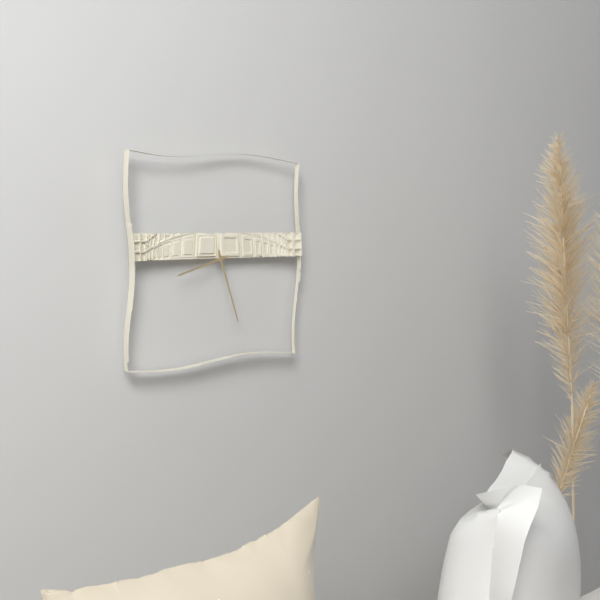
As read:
**8:27**
